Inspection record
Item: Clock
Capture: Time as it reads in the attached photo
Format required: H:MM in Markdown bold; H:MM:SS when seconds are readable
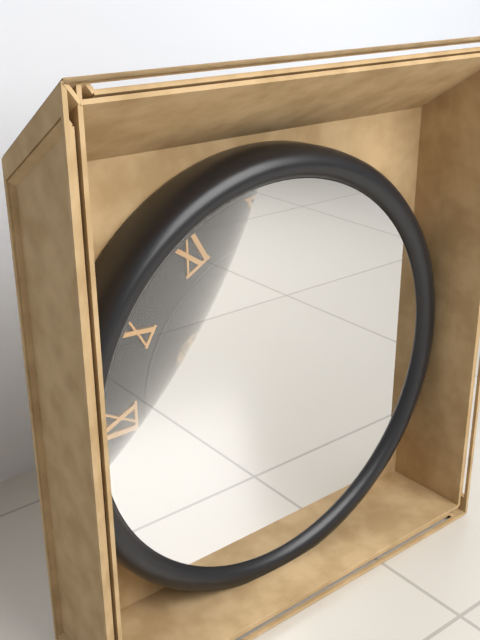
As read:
**11:34**
